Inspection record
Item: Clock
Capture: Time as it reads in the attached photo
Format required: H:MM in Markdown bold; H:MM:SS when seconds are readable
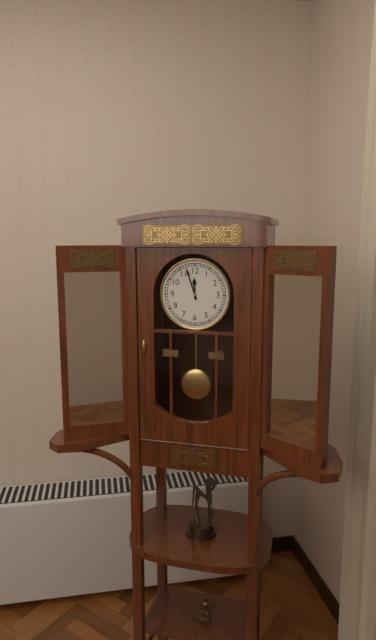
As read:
**11:57**
